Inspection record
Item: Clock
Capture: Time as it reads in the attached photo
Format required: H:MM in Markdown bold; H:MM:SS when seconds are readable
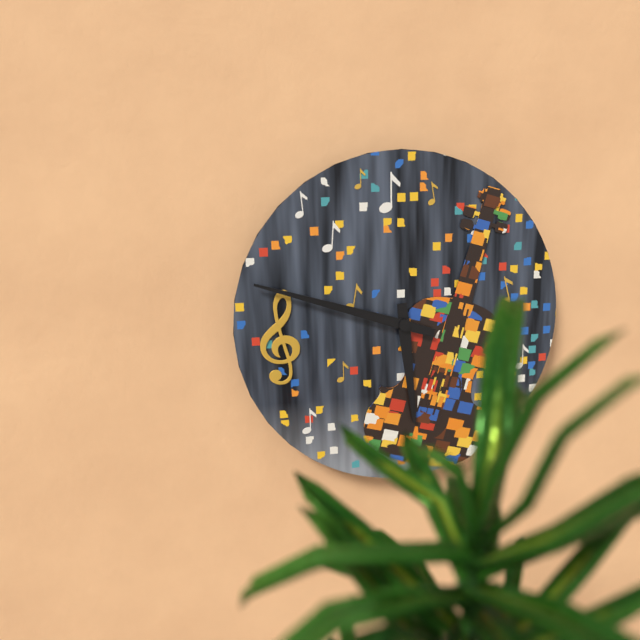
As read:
**5:48**
